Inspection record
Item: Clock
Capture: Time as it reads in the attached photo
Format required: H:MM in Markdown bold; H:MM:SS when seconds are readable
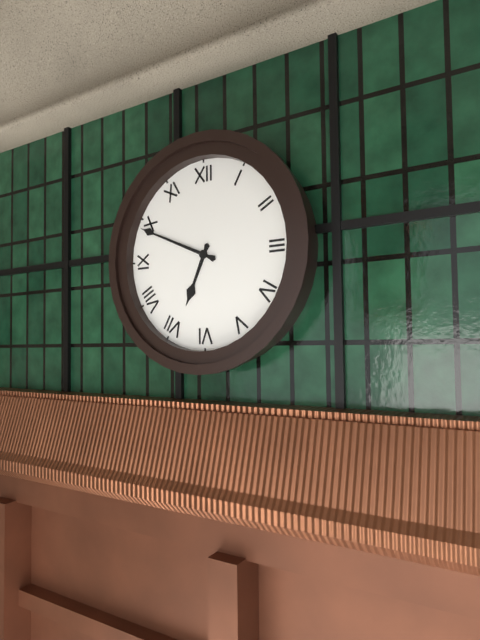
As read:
**6:49**
